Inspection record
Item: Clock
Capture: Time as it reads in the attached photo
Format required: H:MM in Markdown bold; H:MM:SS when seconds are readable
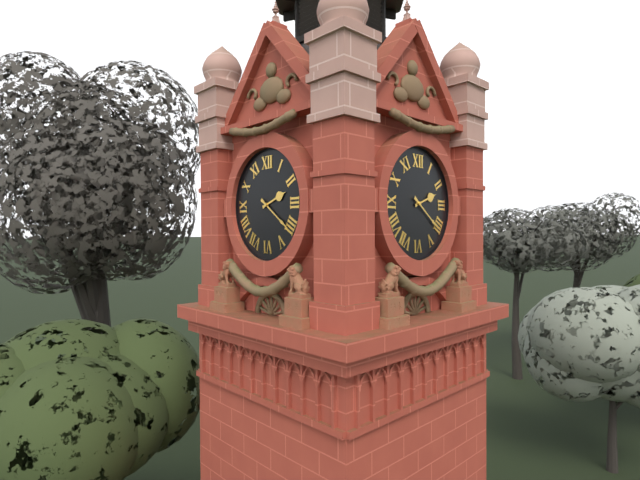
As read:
**2:21**
